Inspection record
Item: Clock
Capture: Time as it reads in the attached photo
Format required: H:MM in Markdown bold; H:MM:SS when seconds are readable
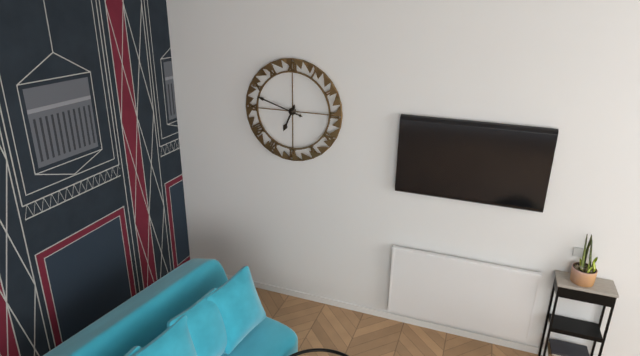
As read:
**6:48**
